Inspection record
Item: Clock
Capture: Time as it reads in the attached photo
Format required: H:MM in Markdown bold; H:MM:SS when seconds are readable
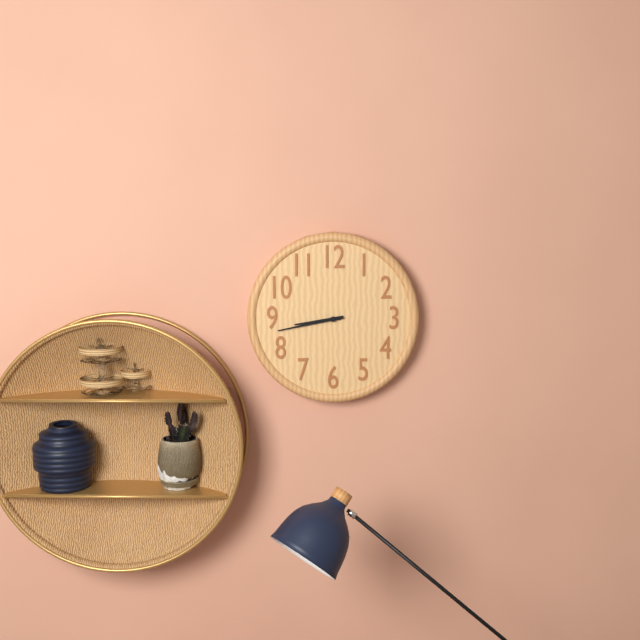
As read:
**8:43**
